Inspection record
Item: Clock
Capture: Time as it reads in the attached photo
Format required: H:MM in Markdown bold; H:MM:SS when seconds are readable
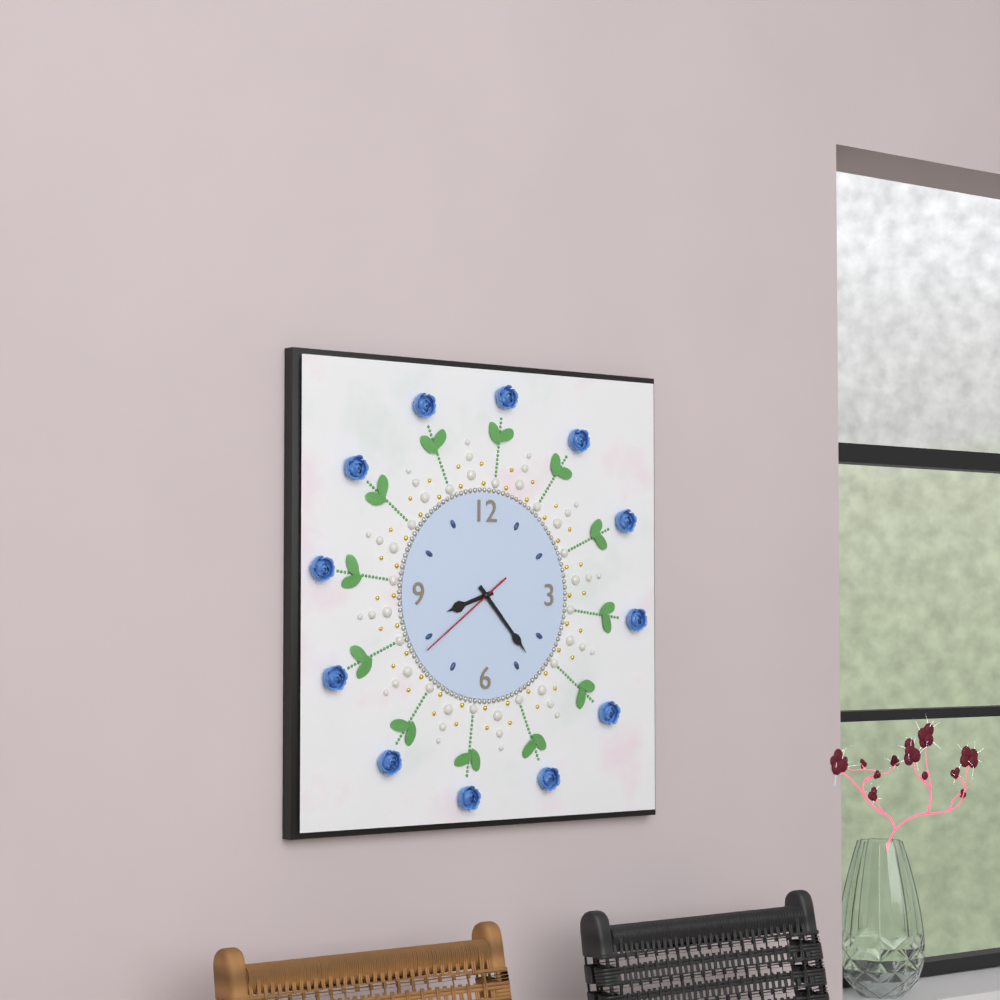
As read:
**8:23:39**
